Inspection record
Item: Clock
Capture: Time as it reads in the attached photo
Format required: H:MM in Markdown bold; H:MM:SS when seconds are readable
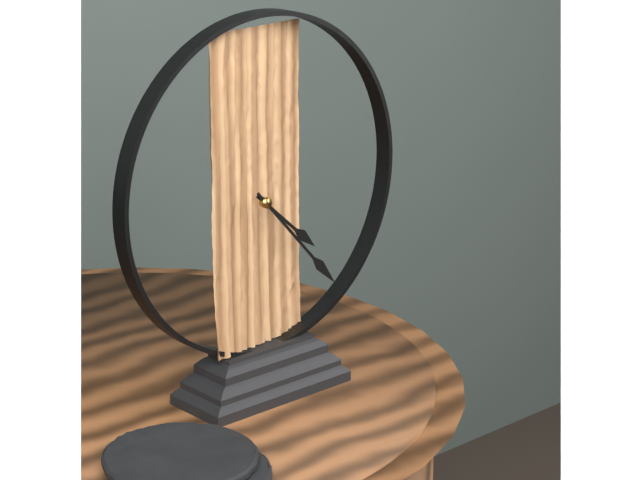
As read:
**4:23**
